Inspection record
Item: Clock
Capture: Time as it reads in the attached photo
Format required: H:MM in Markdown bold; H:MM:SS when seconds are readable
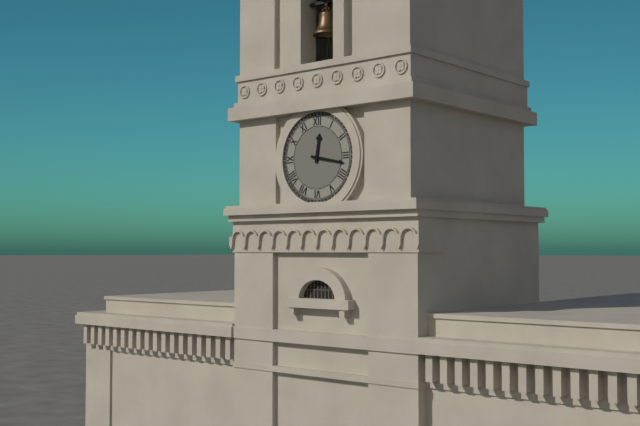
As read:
**12:17**
